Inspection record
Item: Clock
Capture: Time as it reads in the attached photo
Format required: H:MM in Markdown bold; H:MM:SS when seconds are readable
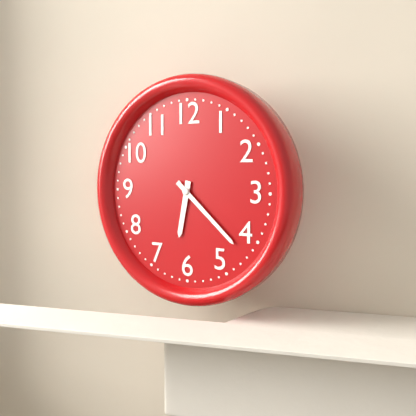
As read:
**6:22**
